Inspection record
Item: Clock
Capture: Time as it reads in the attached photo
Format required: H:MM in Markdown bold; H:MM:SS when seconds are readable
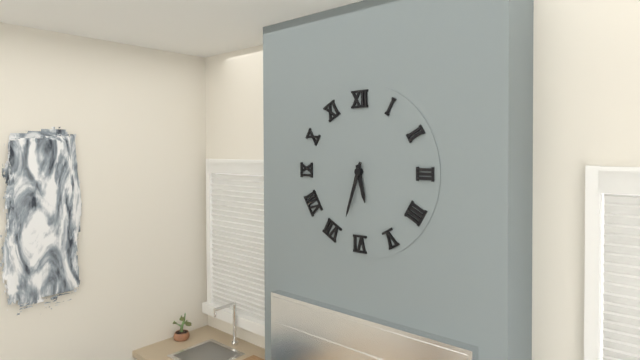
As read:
**5:33**
